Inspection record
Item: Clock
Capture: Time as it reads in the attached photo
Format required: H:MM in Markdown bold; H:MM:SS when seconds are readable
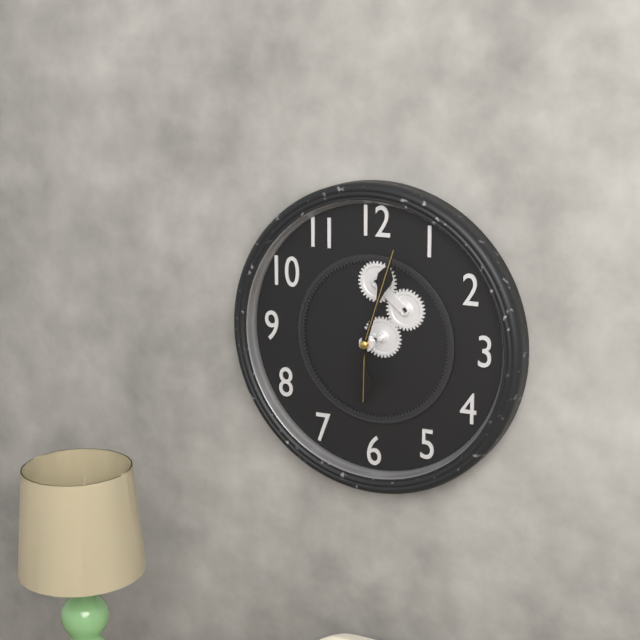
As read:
**6:03**
